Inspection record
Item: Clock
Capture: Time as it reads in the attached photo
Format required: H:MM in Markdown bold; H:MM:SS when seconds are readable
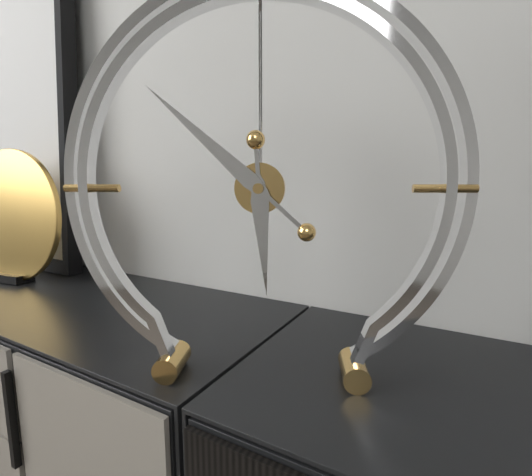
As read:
**5:52**
